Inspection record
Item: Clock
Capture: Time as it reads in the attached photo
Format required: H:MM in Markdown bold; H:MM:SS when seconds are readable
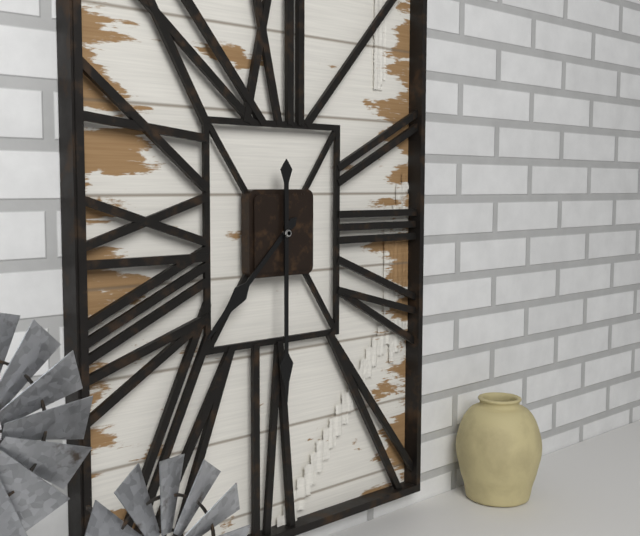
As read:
**7:30**
